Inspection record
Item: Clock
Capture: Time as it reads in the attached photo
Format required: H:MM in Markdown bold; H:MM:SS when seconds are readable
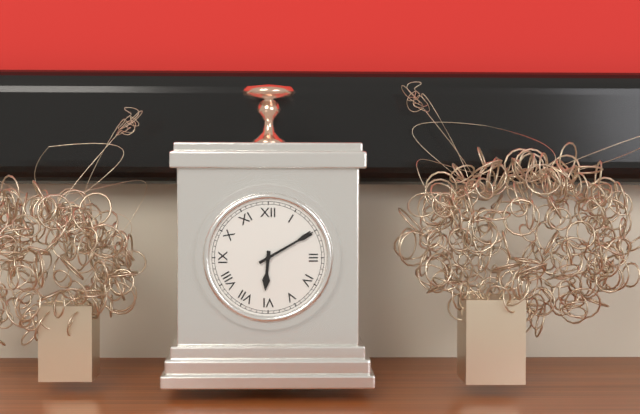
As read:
**6:10**
